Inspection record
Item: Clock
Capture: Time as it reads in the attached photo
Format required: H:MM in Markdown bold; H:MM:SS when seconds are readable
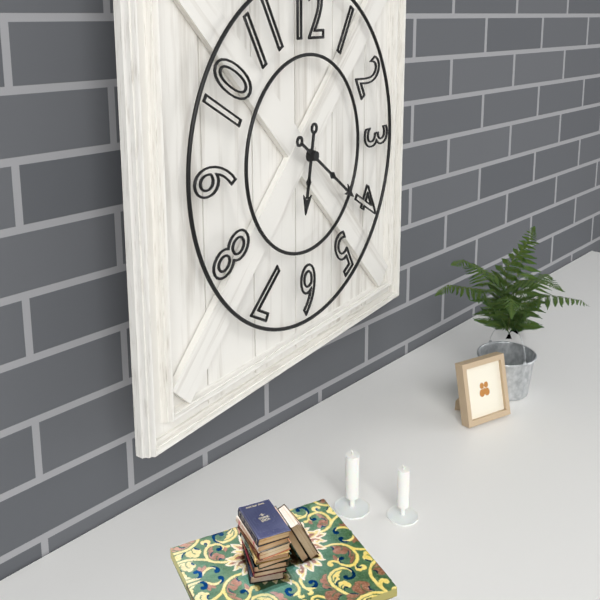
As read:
**6:21**
